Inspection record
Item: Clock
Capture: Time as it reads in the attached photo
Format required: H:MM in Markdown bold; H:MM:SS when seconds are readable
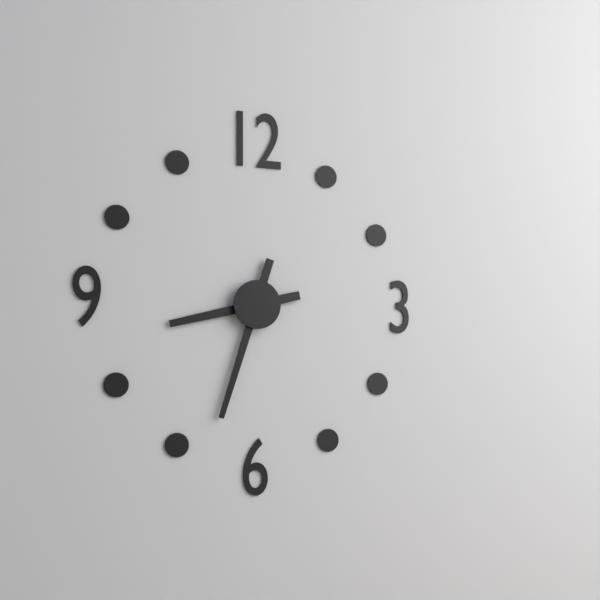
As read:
**8:33**
